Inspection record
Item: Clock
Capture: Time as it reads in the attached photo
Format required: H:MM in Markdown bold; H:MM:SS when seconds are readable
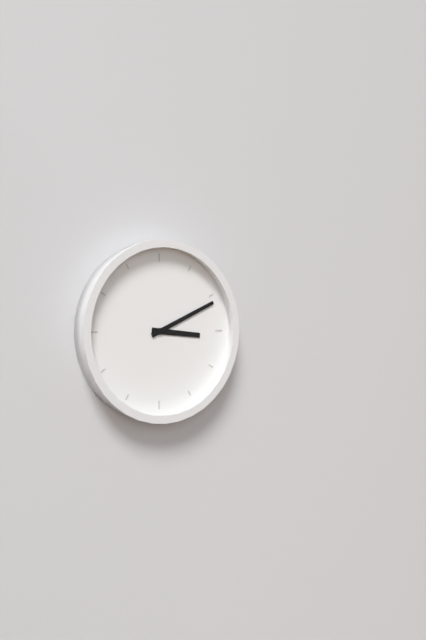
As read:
**3:11**
